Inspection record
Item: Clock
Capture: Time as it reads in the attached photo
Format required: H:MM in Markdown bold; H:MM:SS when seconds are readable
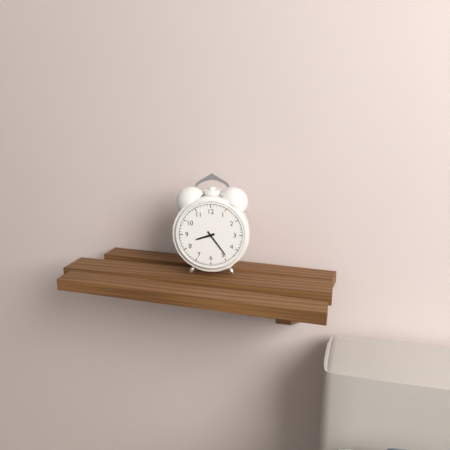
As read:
**8:24**
